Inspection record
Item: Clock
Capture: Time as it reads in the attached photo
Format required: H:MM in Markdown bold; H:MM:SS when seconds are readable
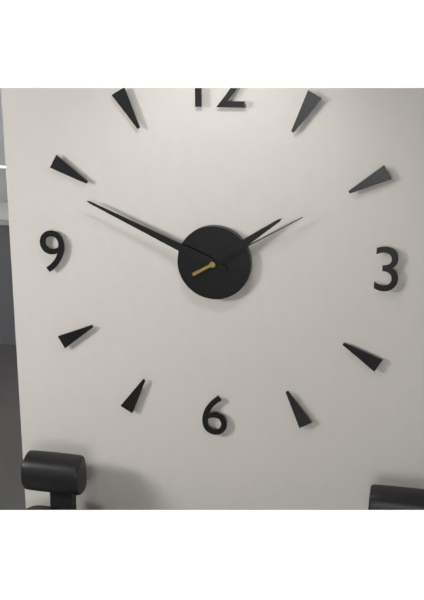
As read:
**1:49:10**
